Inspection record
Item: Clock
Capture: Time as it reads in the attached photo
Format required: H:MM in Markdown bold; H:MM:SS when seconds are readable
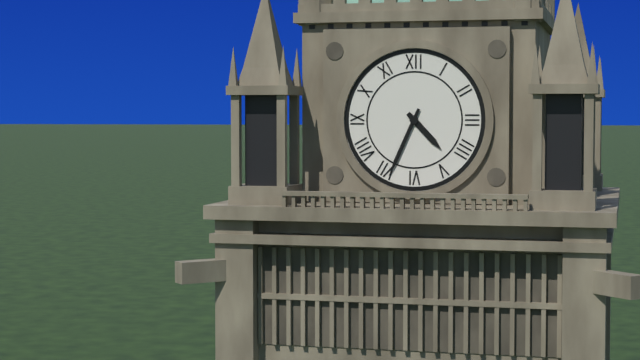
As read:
**4:34**
